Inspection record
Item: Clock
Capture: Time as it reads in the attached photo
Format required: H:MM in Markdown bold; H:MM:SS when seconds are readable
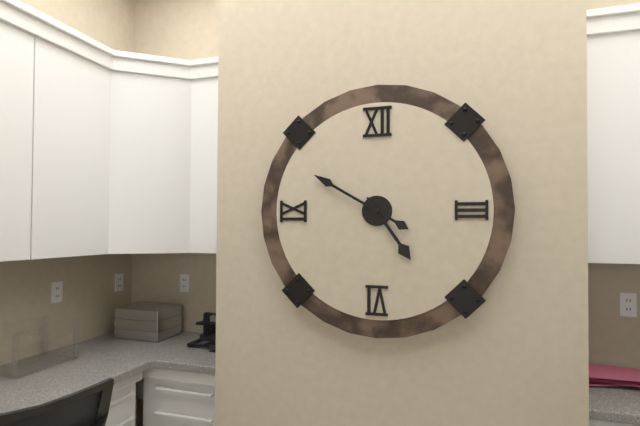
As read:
**4:50**
